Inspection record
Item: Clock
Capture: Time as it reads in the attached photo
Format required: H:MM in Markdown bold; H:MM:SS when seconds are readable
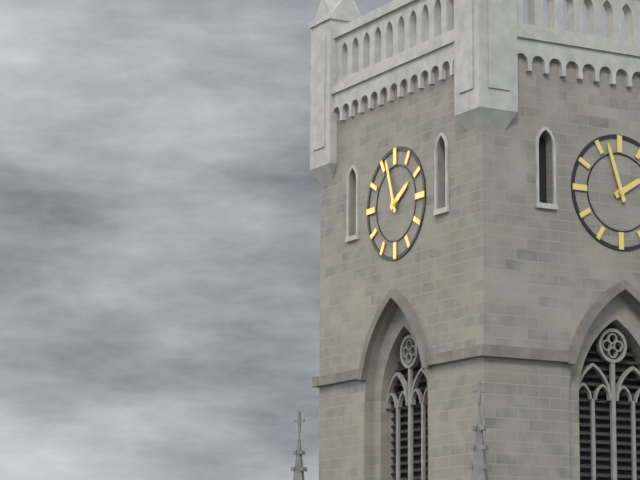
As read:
**1:57**
